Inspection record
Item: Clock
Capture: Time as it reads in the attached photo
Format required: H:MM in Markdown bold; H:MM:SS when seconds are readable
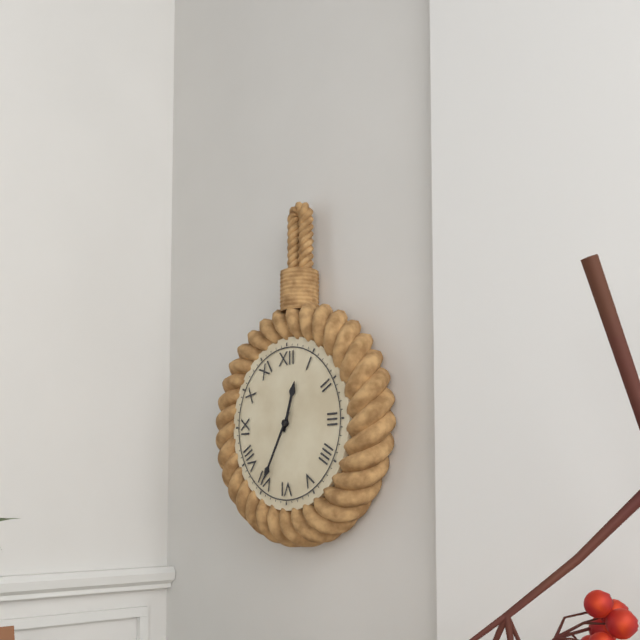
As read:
**12:35**
